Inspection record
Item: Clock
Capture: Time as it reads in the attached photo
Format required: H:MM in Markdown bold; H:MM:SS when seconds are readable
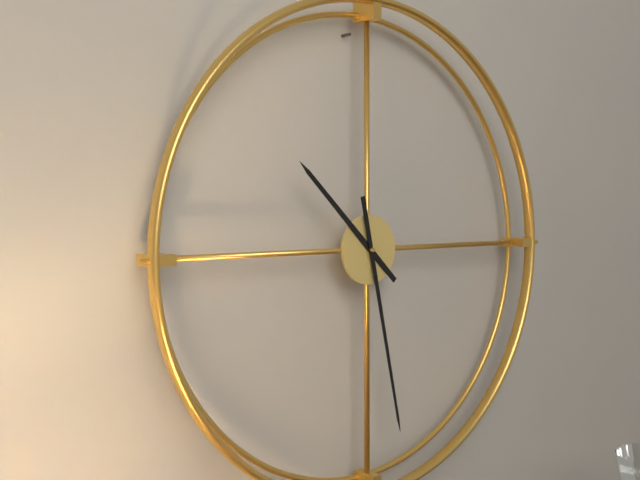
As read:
**10:28**
